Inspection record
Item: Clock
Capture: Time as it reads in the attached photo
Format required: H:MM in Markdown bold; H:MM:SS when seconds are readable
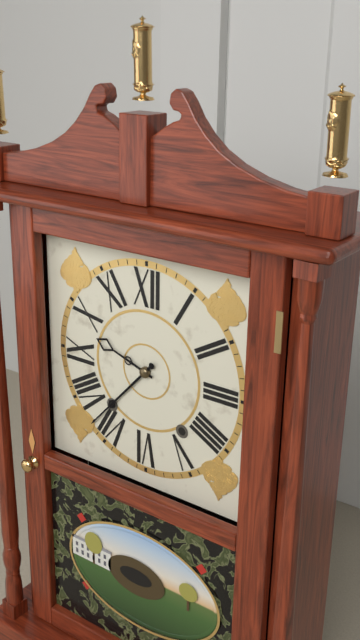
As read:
**9:37**
